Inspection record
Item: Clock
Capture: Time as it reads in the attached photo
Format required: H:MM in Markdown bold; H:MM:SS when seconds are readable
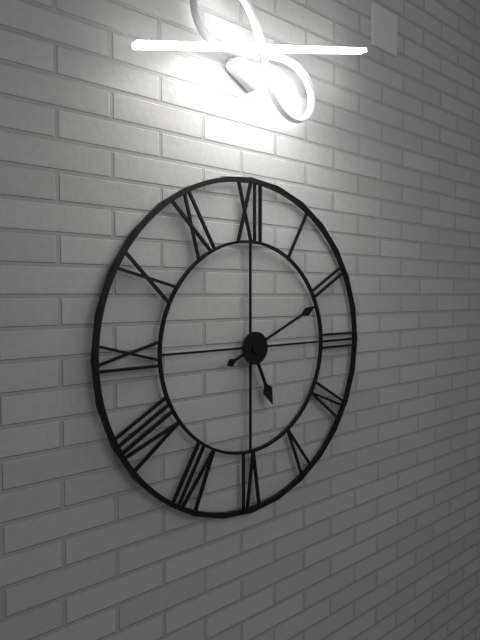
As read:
**5:11**
